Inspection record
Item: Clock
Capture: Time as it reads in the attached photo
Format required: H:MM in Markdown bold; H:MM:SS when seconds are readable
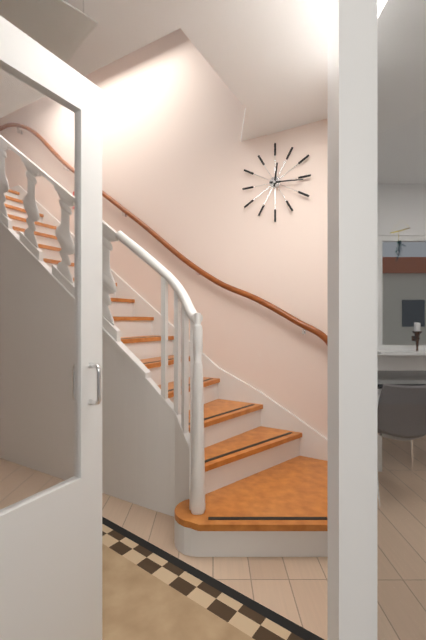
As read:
**12:16**
